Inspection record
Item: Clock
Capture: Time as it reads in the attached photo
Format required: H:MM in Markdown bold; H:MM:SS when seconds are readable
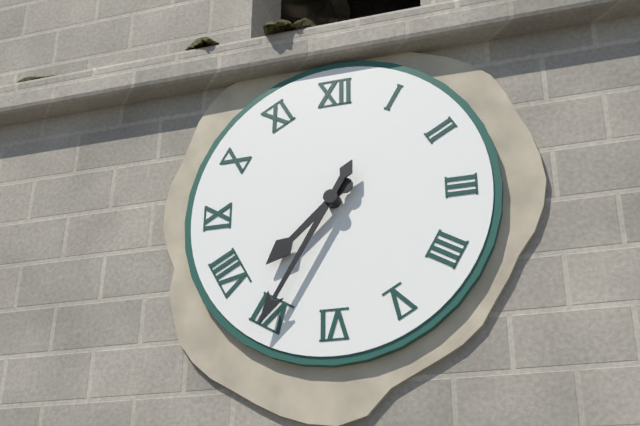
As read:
**7:35**
